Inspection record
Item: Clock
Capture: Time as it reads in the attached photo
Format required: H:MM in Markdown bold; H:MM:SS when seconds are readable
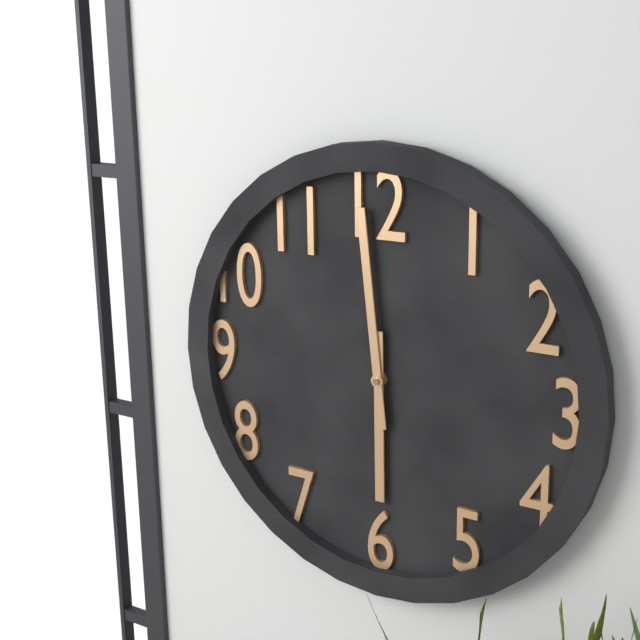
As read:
**5:59**
